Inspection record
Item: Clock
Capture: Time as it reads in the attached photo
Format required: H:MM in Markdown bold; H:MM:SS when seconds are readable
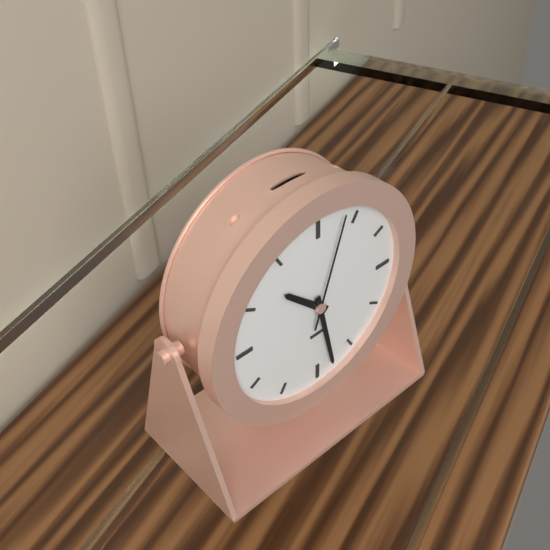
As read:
**10:28:03**
